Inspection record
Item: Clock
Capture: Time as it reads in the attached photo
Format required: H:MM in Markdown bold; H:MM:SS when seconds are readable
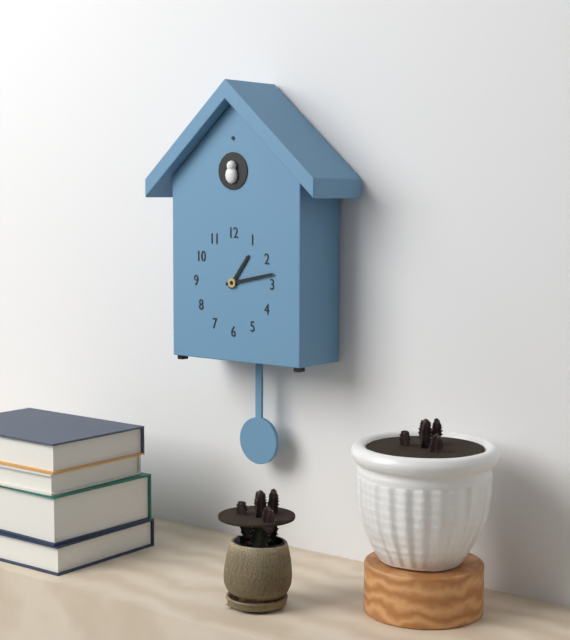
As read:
**1:13**
